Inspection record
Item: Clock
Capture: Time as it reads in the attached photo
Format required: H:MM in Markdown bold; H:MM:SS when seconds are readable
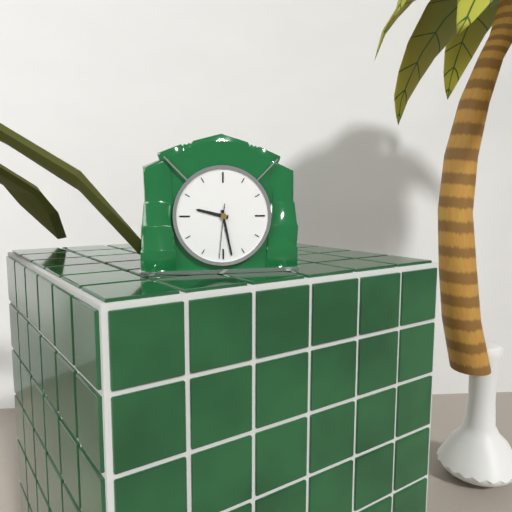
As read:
**9:28:31**
